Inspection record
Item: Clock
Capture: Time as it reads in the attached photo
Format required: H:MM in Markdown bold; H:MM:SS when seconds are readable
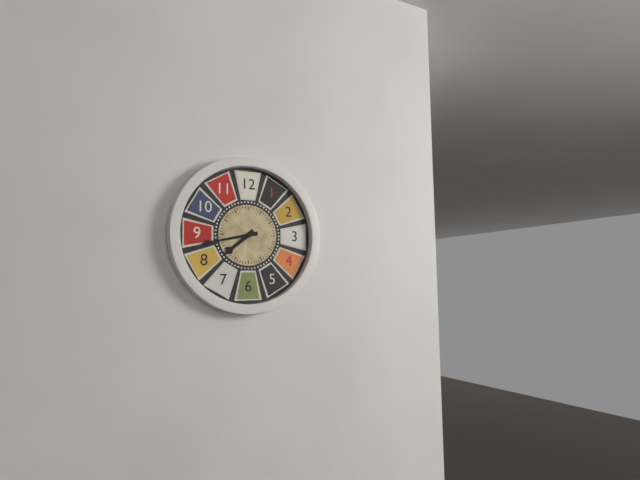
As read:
**7:43**
